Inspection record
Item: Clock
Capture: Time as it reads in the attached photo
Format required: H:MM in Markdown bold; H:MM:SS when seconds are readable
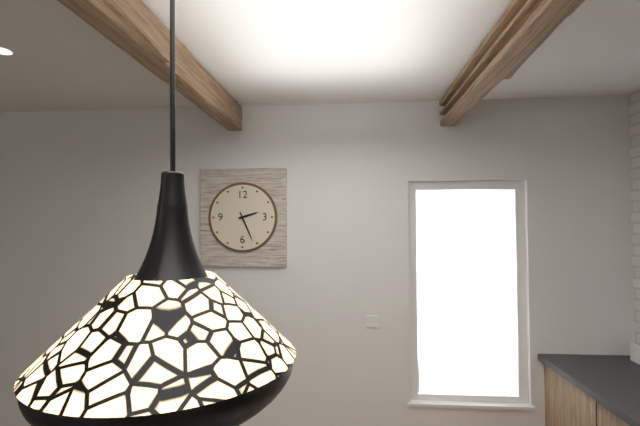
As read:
**2:26**
